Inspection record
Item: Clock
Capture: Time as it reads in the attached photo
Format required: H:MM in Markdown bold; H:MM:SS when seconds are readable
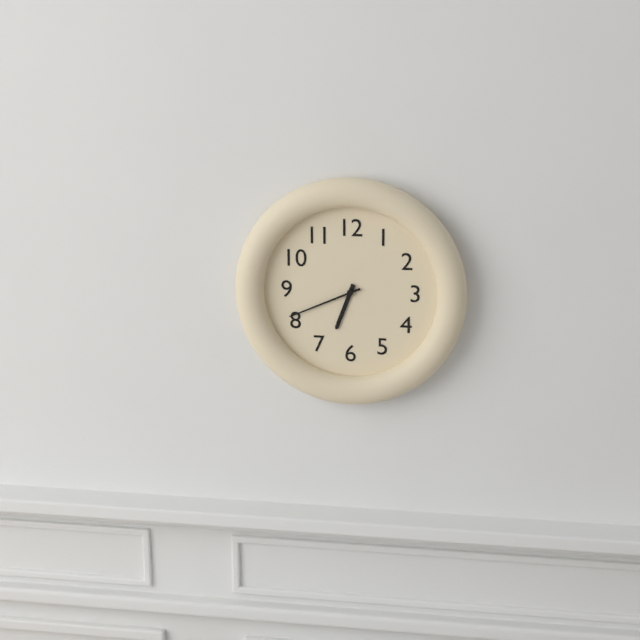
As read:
**6:41**
